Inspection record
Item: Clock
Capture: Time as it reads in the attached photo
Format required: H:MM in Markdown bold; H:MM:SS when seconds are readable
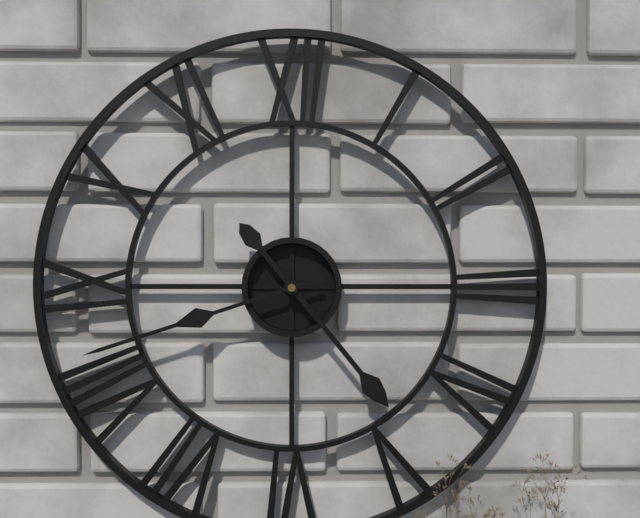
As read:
**4:42**
